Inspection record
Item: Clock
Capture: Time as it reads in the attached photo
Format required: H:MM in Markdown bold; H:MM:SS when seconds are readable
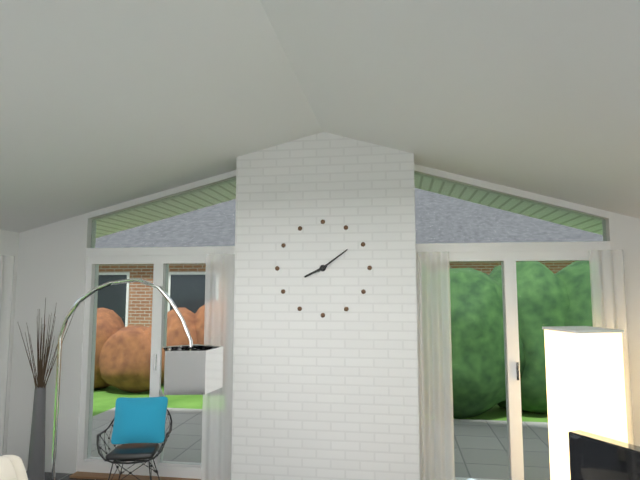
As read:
**8:09**
